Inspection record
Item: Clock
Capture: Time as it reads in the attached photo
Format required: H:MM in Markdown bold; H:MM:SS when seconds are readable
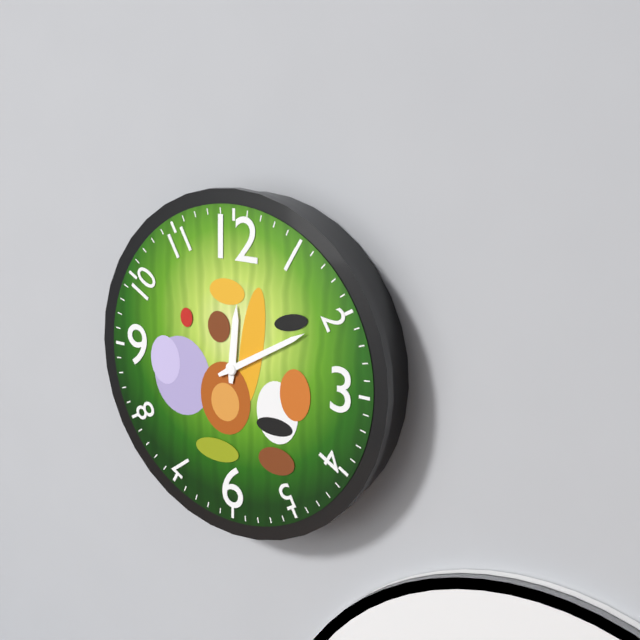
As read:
**12:10**
